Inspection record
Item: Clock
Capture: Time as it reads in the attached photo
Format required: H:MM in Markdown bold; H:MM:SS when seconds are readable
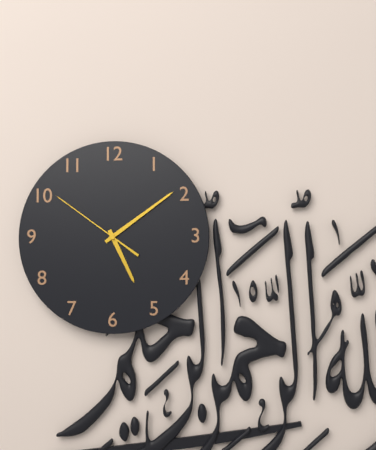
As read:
**5:09:51**
